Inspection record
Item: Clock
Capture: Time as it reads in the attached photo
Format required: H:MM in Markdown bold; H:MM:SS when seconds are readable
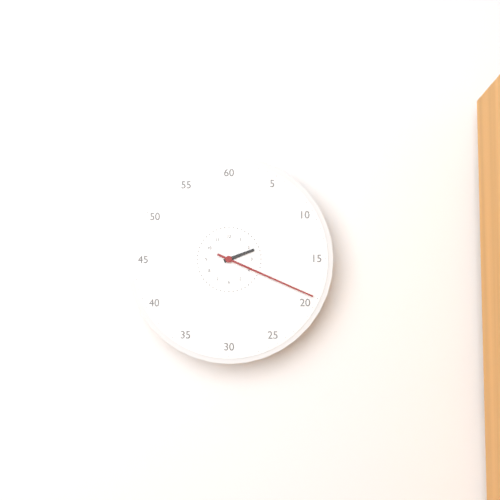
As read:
**2:19**
